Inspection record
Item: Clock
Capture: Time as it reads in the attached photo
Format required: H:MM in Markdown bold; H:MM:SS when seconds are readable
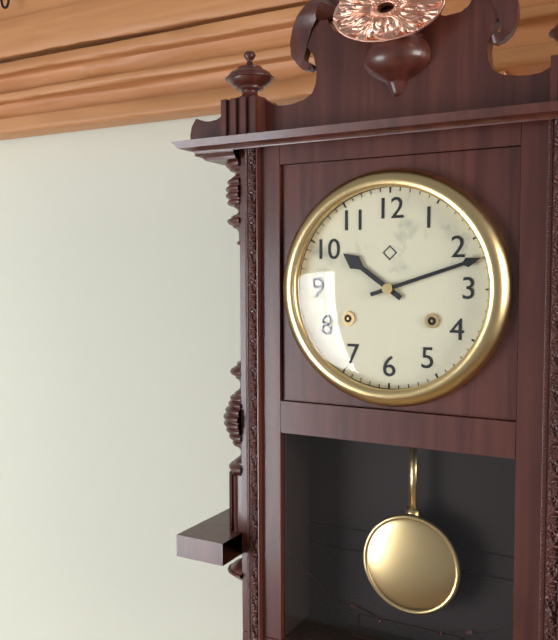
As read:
**10:12**
